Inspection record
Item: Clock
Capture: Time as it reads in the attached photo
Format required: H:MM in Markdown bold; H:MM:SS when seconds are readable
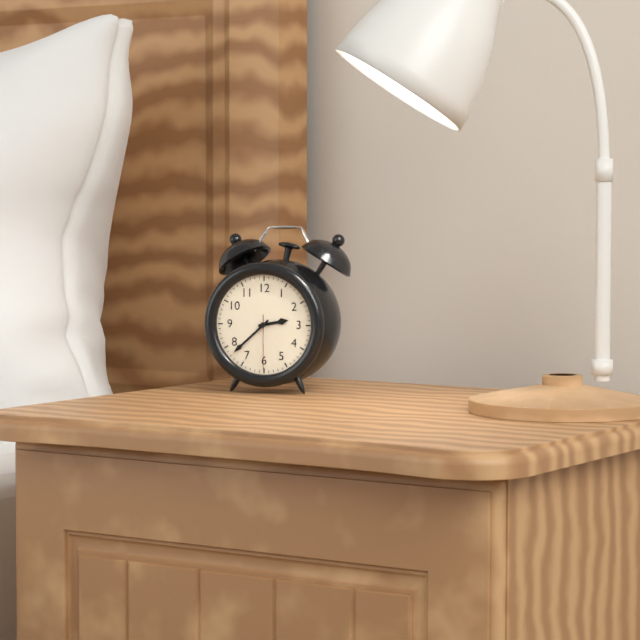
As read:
**2:38:30**
